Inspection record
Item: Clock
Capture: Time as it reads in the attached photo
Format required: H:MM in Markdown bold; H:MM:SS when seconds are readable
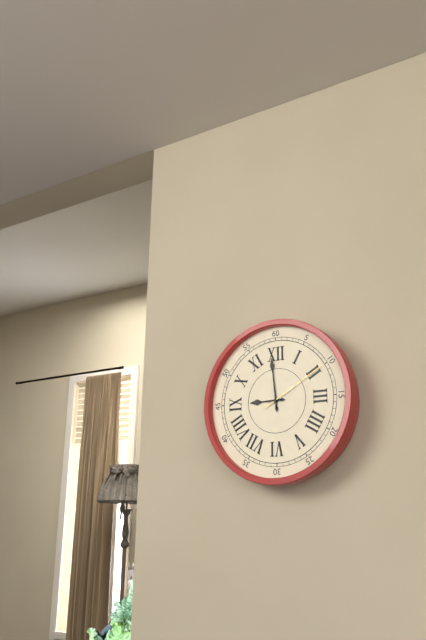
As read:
**8:59:10**
